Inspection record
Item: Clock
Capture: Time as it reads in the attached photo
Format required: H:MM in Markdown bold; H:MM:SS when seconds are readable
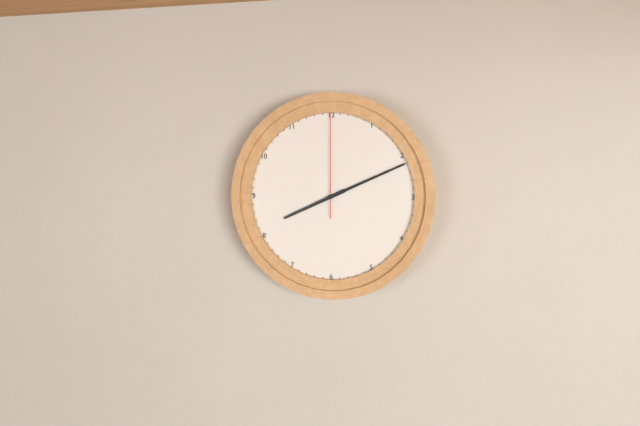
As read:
**8:11:00**
